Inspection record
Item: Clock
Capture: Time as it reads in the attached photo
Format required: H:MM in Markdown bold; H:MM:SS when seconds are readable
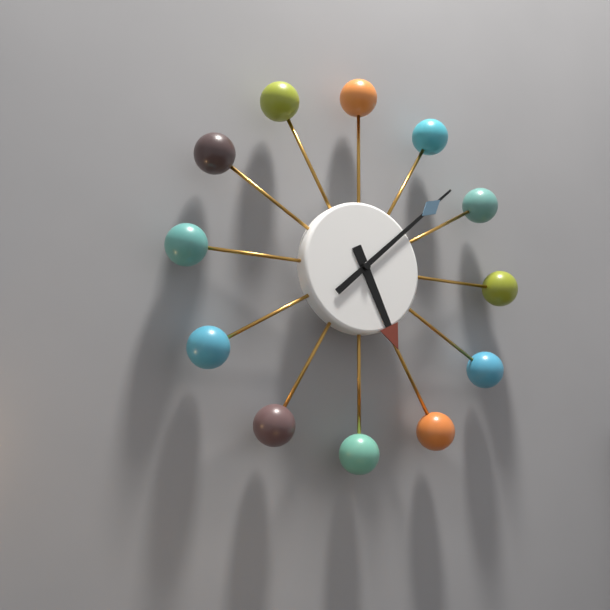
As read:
**5:08**
